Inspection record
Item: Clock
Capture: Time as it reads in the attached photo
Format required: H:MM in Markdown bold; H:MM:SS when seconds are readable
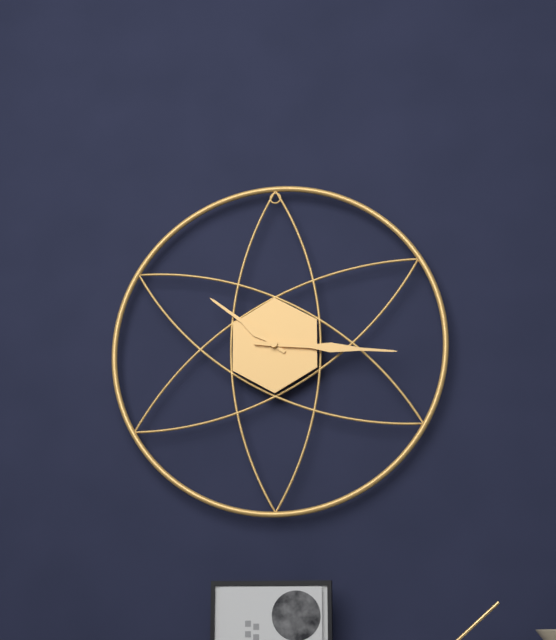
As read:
**10:16**
